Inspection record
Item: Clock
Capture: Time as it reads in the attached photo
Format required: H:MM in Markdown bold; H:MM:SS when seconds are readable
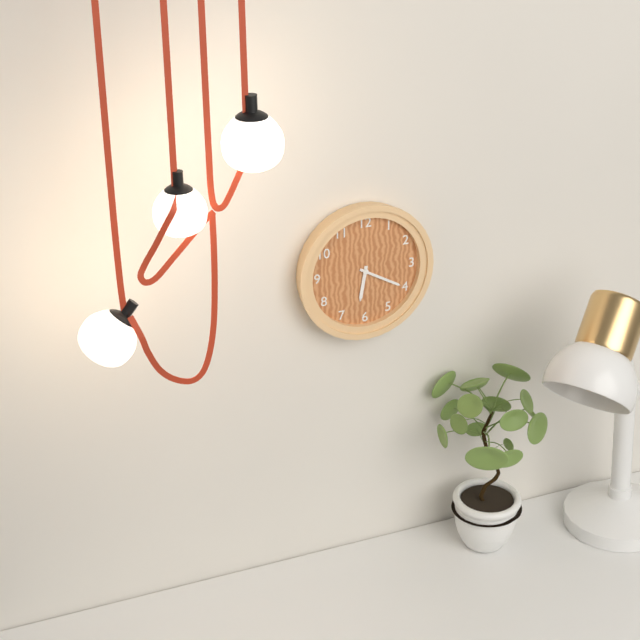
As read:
**6:20**
